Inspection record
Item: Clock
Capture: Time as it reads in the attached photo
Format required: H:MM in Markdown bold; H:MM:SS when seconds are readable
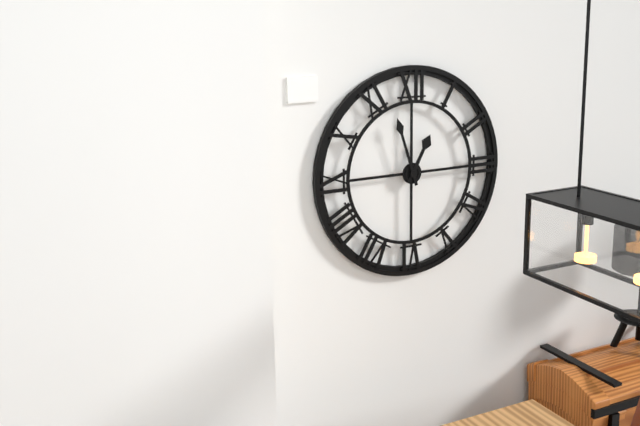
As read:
**12:57**
